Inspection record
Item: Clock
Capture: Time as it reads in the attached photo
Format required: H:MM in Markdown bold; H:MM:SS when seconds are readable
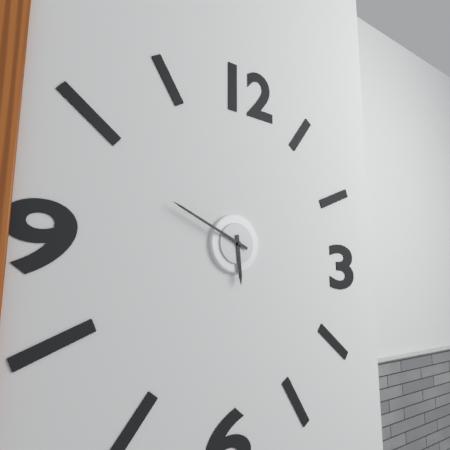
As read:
**5:49**
